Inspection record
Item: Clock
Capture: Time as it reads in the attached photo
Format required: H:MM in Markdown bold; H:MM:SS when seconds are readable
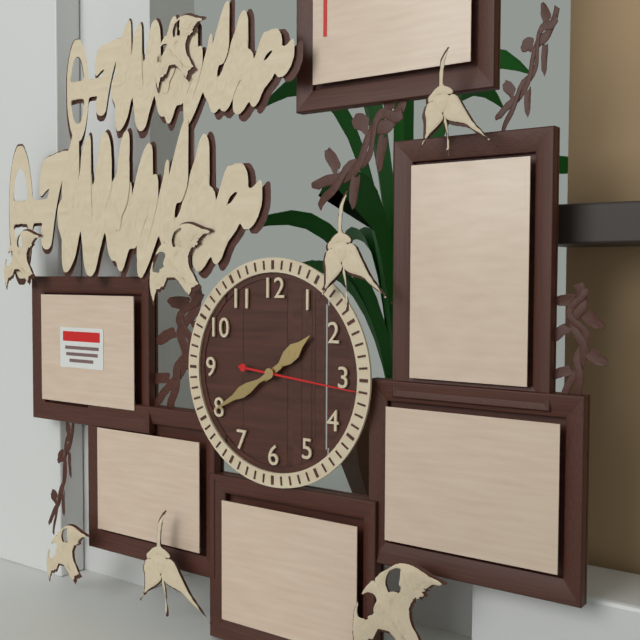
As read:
**1:40:16**
